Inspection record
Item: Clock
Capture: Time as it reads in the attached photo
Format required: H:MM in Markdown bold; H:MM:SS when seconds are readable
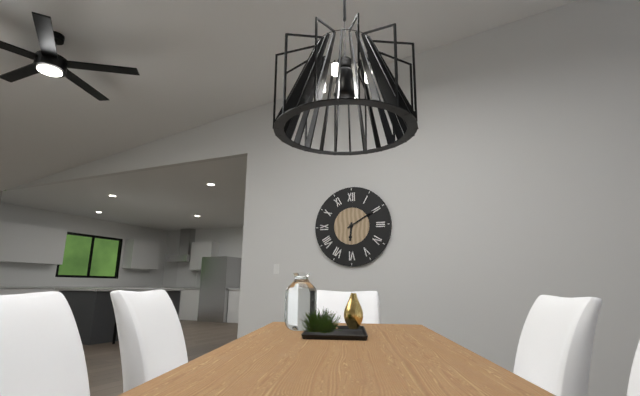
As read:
**6:10**
